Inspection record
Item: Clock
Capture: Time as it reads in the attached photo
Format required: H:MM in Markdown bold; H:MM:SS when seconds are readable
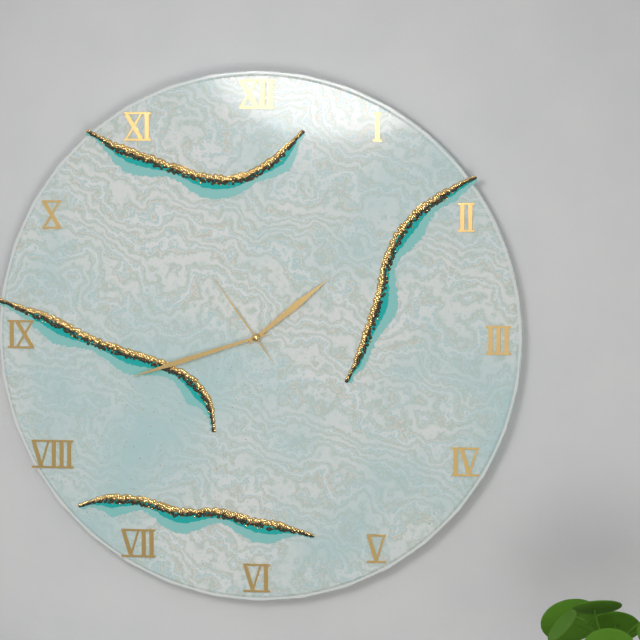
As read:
**1:42:54**
